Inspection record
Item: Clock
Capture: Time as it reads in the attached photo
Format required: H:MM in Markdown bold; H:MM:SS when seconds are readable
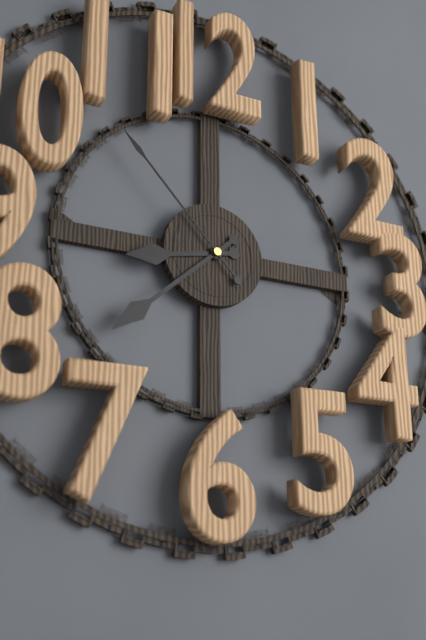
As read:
**8:38:53**
